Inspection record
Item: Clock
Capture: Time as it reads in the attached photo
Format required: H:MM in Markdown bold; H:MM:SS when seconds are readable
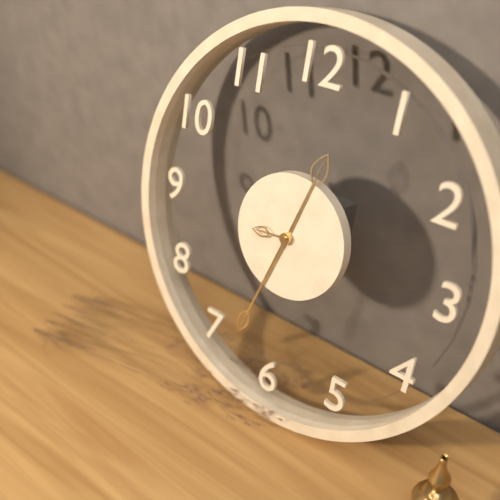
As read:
**12:33**
